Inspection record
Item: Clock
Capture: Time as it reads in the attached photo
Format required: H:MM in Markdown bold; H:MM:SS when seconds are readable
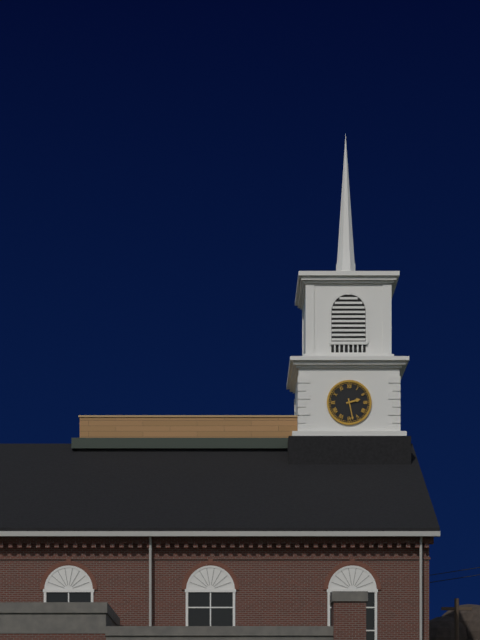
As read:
**2:28**
